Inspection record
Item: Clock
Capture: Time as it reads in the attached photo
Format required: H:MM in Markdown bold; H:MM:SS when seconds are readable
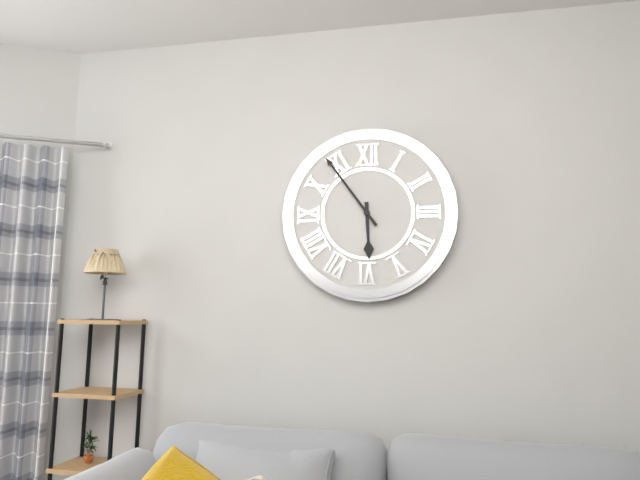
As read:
**5:54**
